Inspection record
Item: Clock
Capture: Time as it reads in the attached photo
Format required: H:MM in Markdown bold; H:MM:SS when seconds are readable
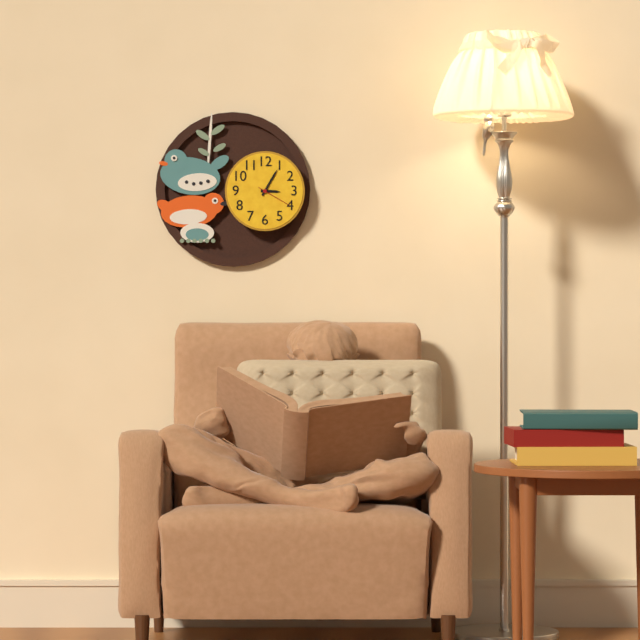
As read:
**3:05**
